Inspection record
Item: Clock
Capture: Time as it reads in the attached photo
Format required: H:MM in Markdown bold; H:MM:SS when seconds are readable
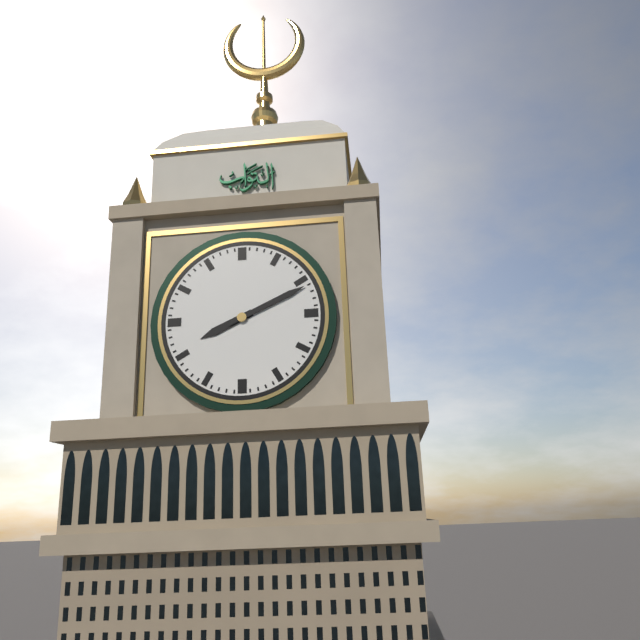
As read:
**8:11**
